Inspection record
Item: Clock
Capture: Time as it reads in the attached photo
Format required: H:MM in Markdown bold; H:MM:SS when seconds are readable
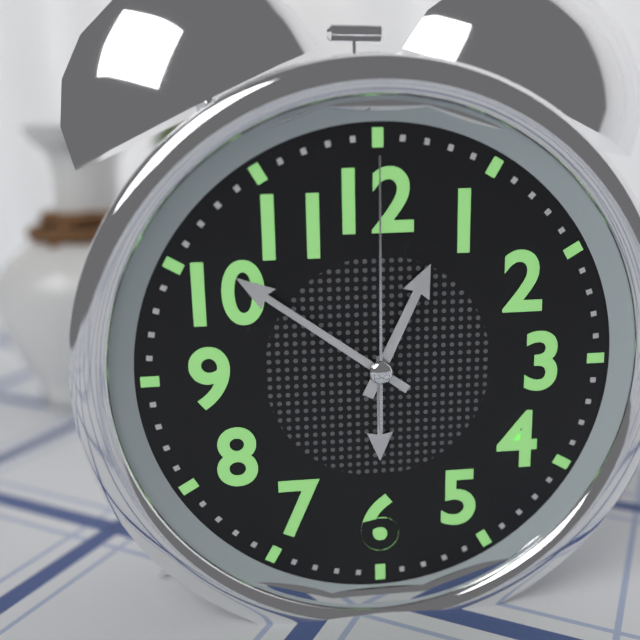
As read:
**12:51:00**
